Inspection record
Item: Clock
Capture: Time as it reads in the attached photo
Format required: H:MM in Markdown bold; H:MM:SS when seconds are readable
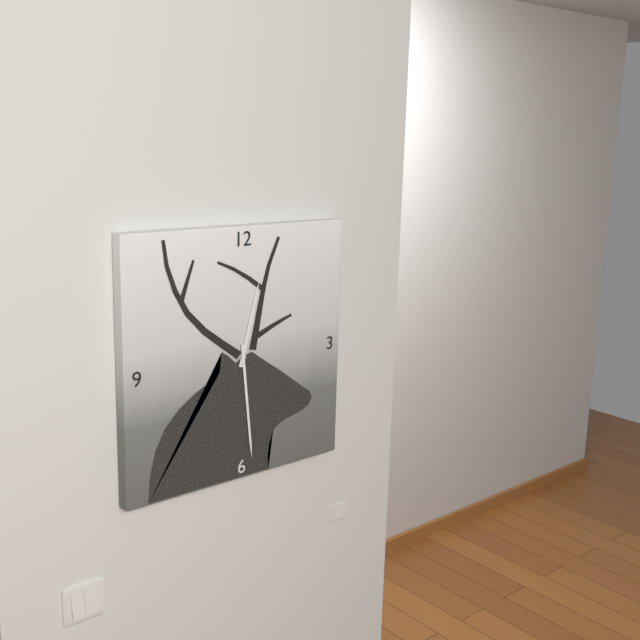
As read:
**12:29**
